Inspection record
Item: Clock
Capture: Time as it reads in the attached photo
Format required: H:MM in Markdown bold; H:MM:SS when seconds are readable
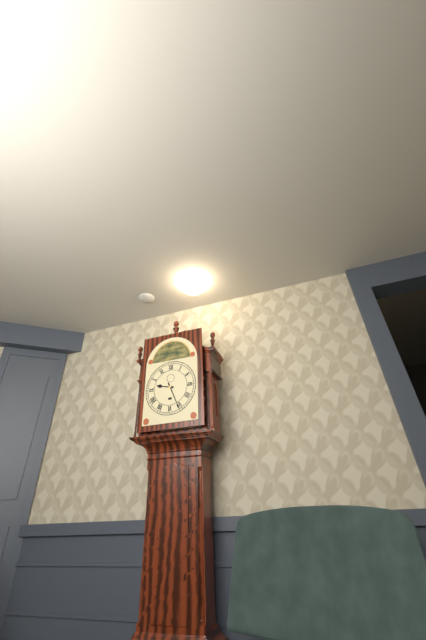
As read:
**9:26**
